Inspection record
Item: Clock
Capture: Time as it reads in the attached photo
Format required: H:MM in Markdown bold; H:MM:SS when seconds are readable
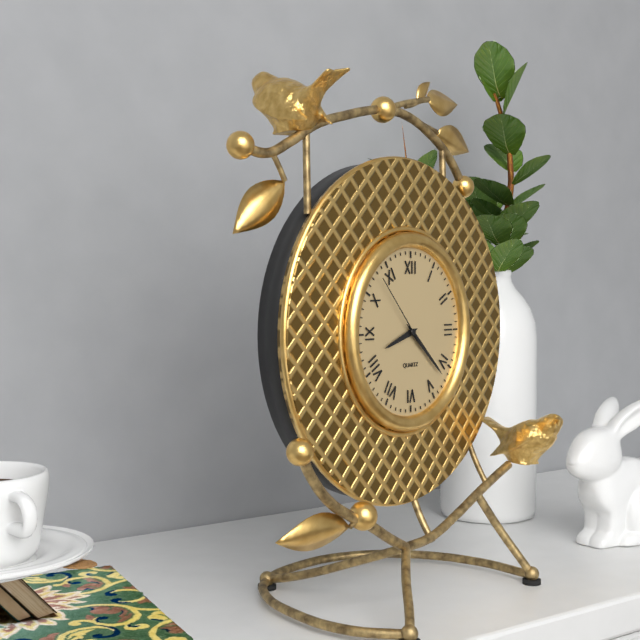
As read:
**8:22:53**
